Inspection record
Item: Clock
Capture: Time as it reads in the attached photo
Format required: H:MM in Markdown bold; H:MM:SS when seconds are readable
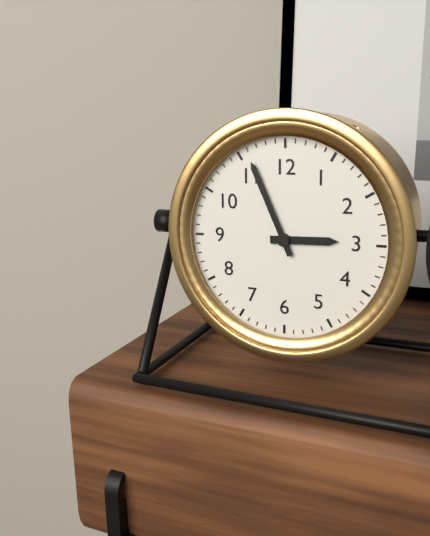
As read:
**2:56**
